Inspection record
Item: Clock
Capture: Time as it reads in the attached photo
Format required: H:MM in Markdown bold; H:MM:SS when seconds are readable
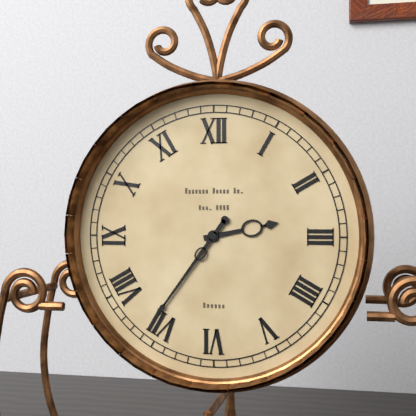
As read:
**2:36**
